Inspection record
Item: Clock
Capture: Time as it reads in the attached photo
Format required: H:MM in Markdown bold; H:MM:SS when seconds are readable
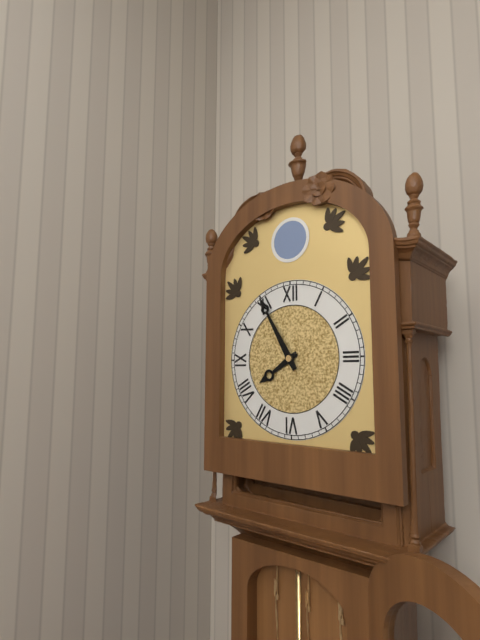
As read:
**7:55**
